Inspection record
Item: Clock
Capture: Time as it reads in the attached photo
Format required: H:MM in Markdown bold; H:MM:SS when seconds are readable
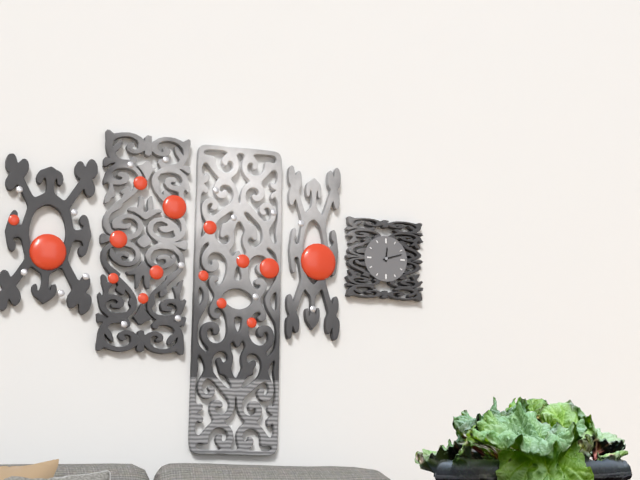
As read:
**12:12**
